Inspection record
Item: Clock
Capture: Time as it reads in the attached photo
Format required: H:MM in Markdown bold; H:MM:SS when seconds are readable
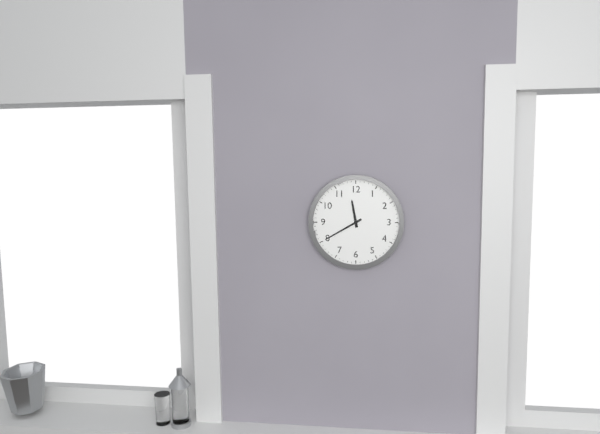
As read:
**11:40**
